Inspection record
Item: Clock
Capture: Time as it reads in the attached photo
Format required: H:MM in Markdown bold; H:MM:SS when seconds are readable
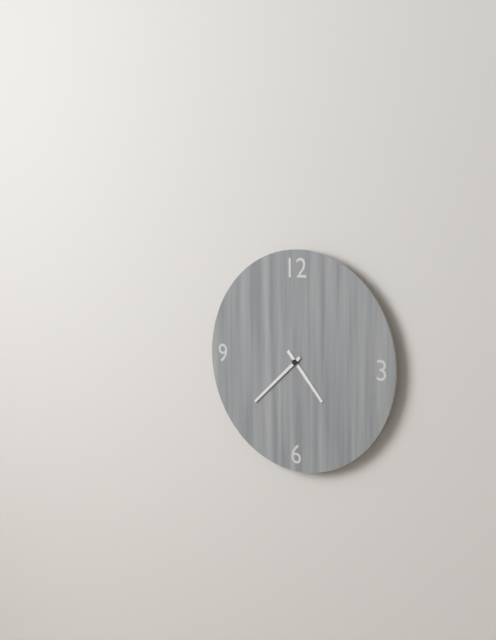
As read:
**4:38**
